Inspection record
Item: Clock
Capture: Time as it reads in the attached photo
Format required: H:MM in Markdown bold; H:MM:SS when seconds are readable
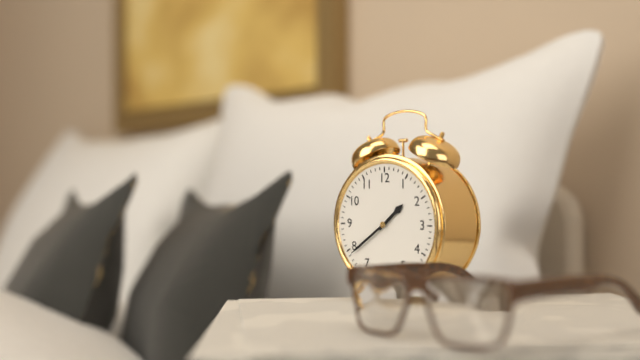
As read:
**1:39**
